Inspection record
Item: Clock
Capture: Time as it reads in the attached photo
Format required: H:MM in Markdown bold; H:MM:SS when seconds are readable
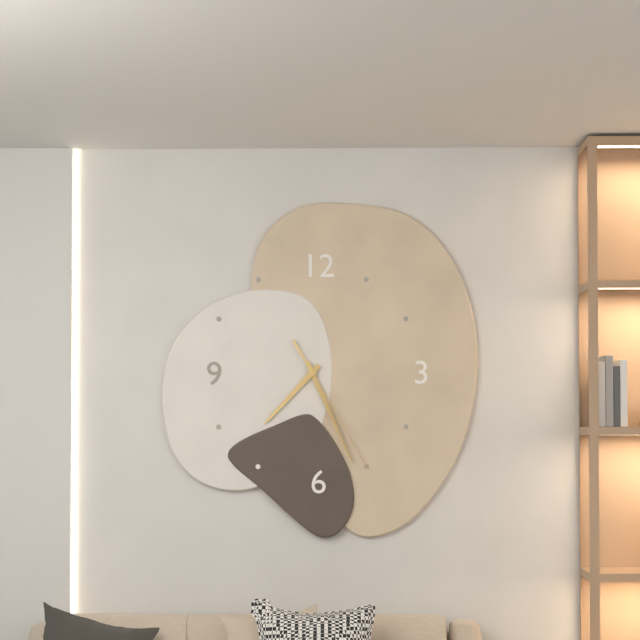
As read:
**7:26:25**
